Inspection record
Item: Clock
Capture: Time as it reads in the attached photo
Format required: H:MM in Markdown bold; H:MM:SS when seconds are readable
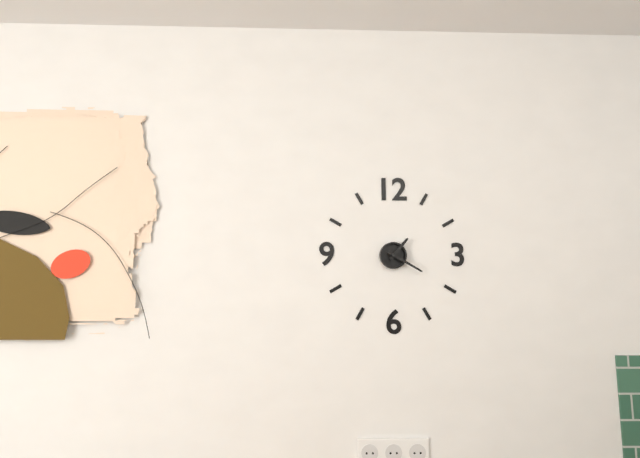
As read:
**1:20**
